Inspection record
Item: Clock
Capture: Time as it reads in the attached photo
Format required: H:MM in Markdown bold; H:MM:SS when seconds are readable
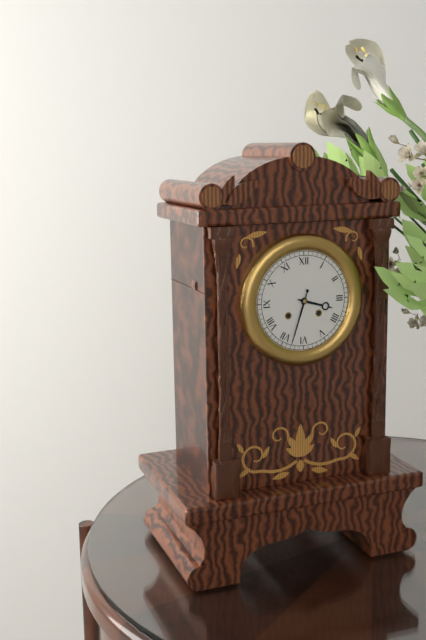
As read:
**3:33**
